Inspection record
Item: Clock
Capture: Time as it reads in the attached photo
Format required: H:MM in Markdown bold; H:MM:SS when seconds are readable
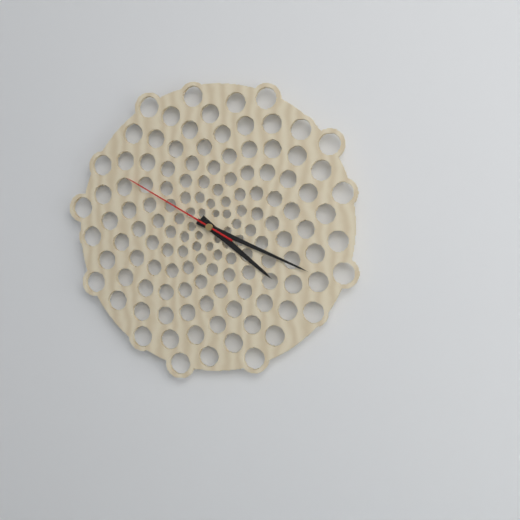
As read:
**4:19:50**
